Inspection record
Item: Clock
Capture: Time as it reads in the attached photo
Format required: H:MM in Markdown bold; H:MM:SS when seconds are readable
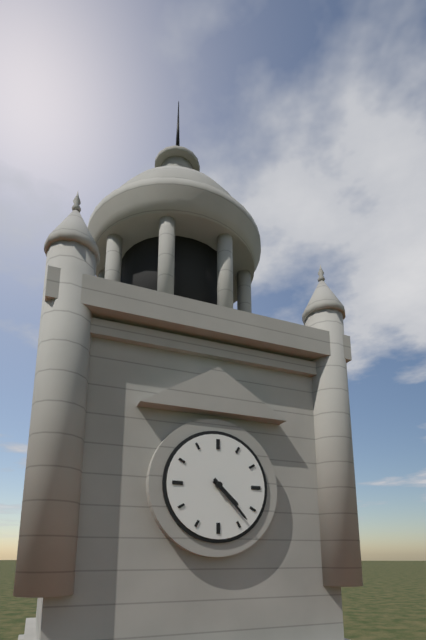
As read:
**4:23**
